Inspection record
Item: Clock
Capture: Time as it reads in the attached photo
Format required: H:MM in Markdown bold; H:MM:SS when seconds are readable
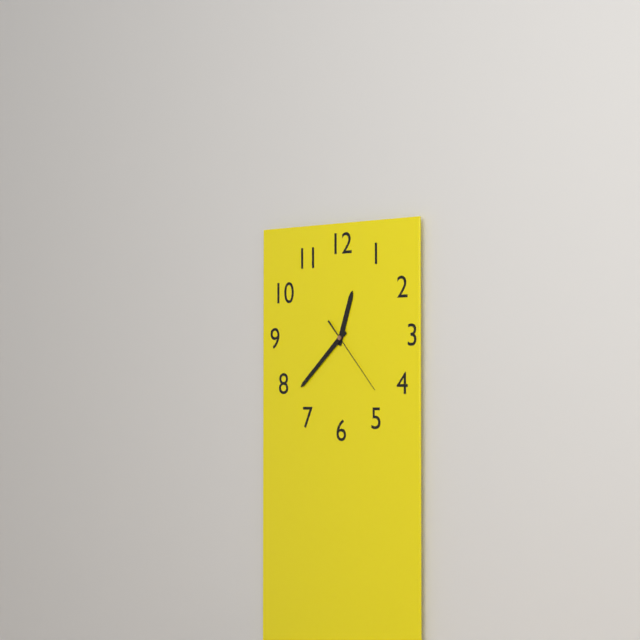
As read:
**12:38:23**
